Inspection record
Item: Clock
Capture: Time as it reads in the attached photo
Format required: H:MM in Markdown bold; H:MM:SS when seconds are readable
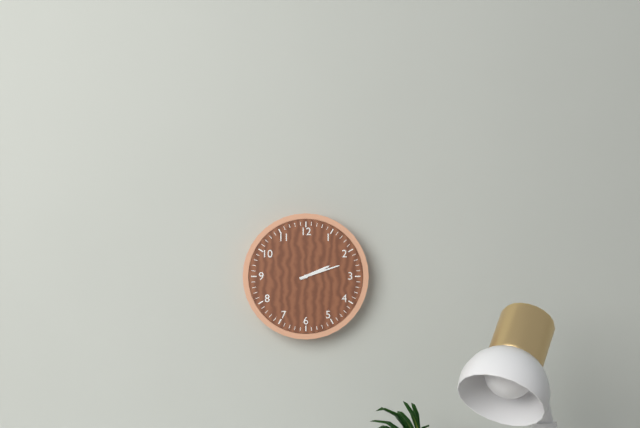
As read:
**2:12**
